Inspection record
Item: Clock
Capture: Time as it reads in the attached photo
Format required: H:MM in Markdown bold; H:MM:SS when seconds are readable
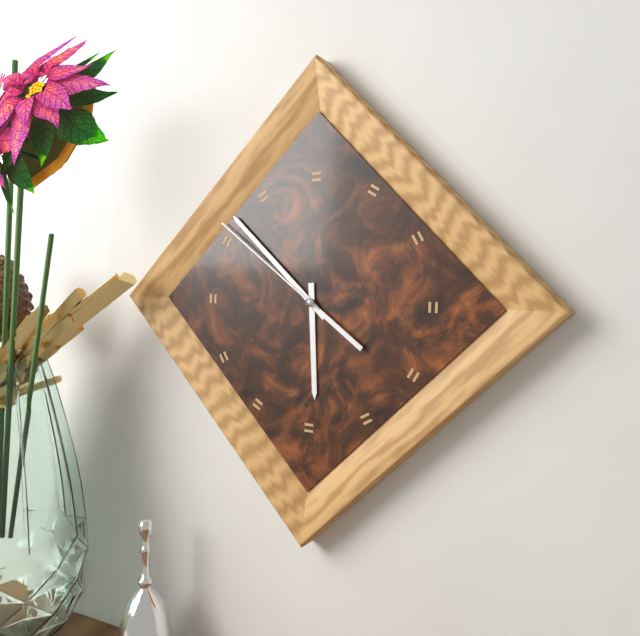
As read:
**5:52:51**
